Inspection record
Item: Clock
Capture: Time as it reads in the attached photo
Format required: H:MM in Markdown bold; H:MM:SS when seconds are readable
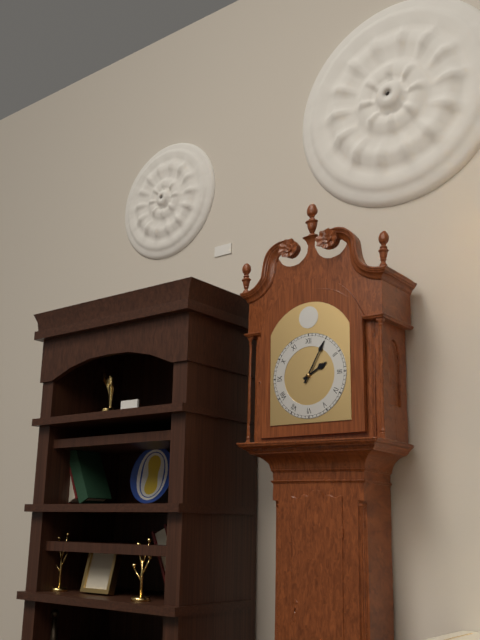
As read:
**2:05**
